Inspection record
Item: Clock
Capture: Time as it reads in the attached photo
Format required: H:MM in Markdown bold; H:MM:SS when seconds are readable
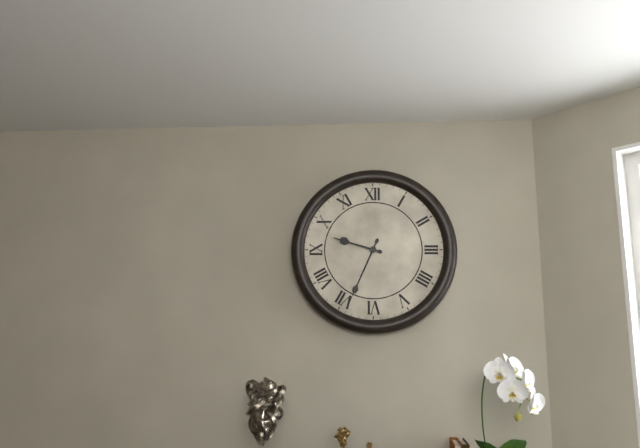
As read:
**9:34**
